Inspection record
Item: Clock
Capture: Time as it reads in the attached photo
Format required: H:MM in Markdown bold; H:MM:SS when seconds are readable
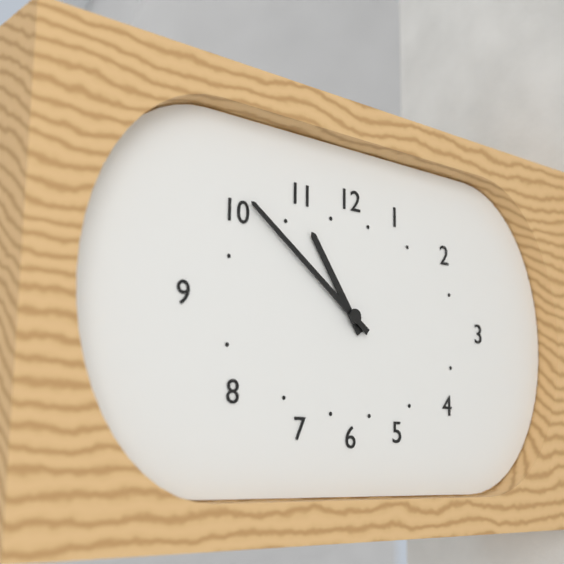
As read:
**10:51**
